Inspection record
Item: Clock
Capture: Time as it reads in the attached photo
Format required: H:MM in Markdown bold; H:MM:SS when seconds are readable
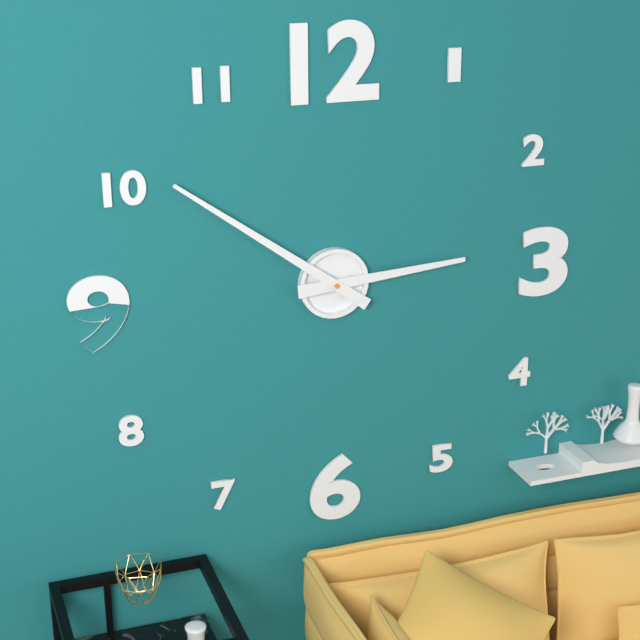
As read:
**2:51**
